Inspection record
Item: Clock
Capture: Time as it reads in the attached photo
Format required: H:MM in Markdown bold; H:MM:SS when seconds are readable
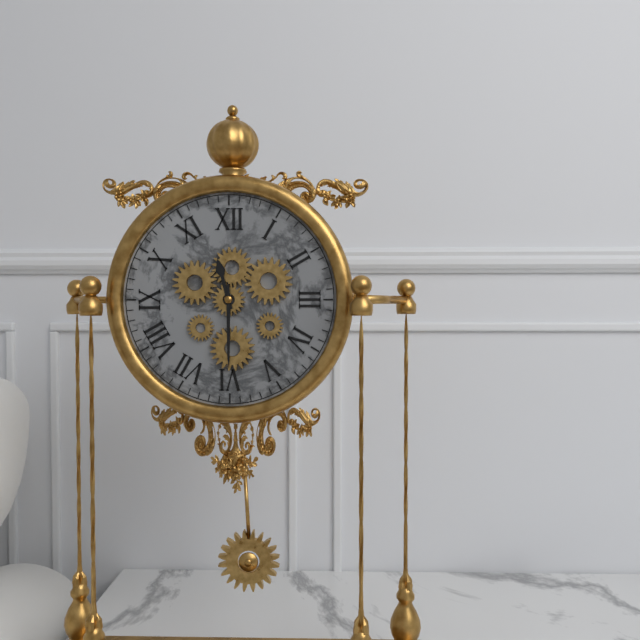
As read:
**11:30**
